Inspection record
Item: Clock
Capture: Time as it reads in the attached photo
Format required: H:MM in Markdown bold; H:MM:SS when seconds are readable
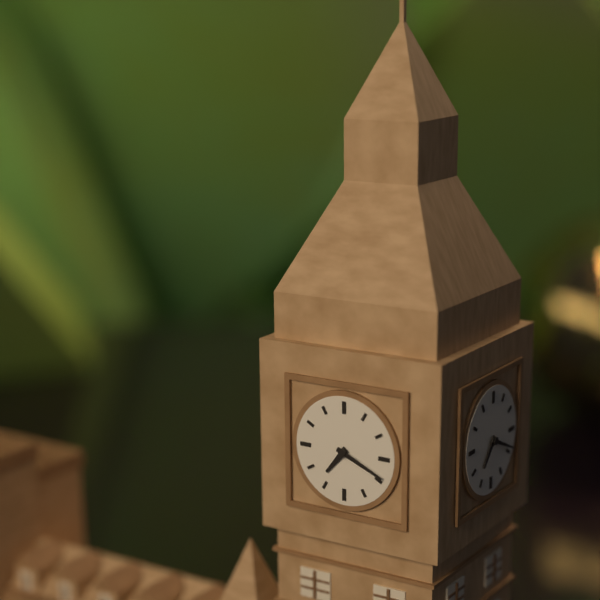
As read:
**7:19**
